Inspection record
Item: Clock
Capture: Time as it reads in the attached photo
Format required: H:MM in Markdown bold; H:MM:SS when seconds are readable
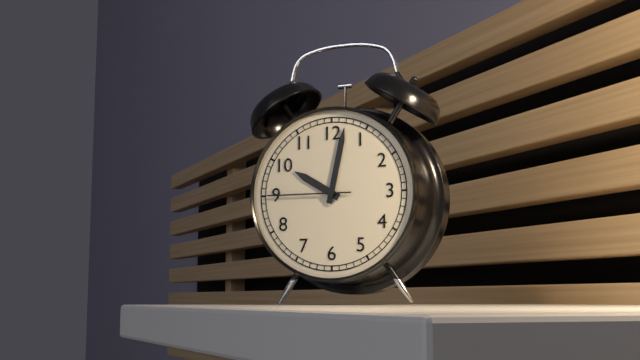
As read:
**10:02:45**
